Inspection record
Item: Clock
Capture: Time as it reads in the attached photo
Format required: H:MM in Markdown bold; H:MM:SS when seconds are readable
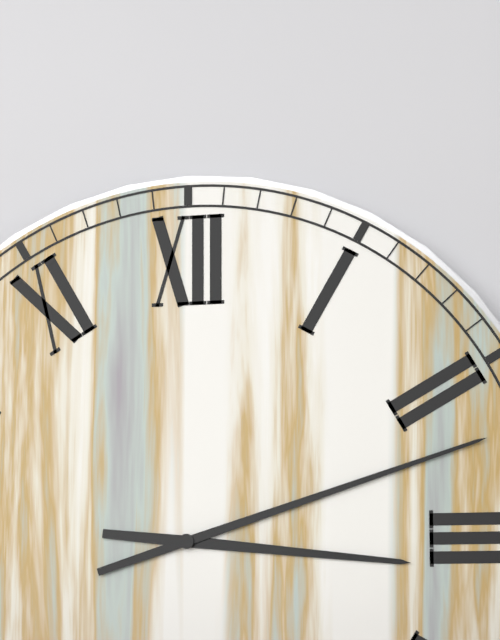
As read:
**3:12**
